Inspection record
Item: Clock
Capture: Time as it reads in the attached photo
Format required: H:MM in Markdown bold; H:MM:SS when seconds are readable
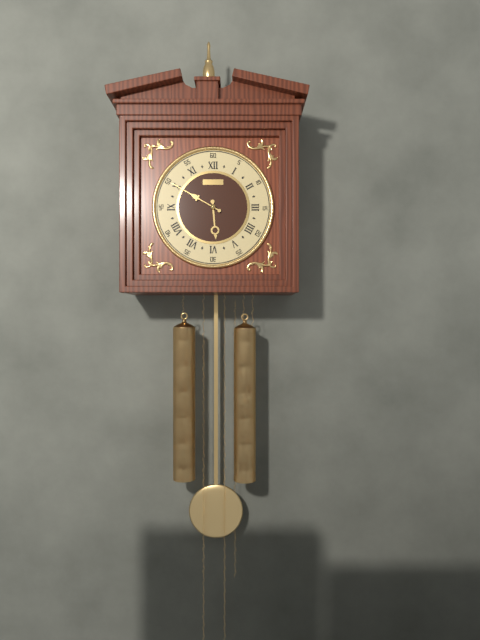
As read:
**5:50**
